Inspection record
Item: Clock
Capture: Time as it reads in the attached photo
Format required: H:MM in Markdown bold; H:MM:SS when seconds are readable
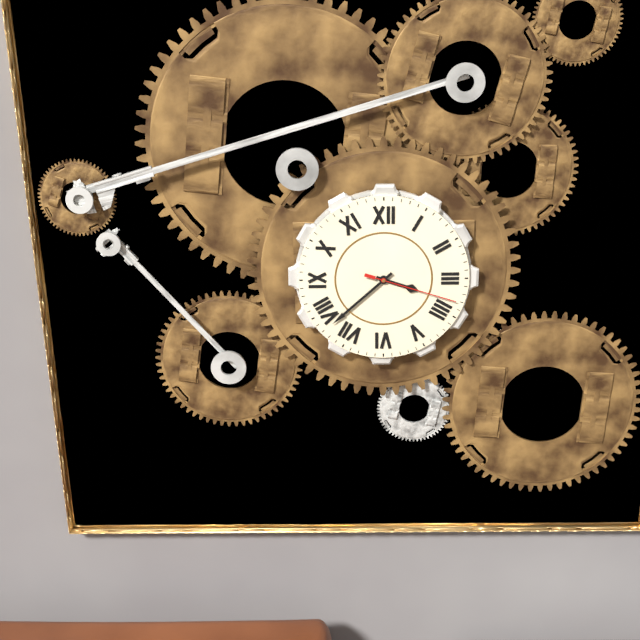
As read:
**3:38:18**
